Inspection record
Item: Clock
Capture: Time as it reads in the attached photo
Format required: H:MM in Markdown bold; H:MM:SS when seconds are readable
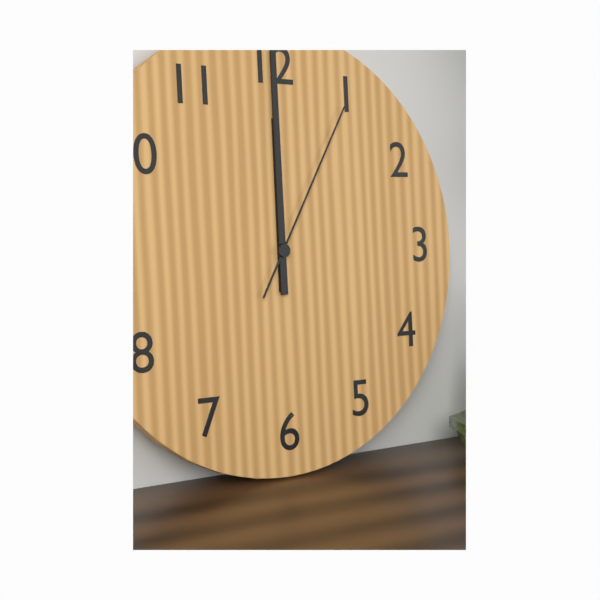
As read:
**12:00:05**
